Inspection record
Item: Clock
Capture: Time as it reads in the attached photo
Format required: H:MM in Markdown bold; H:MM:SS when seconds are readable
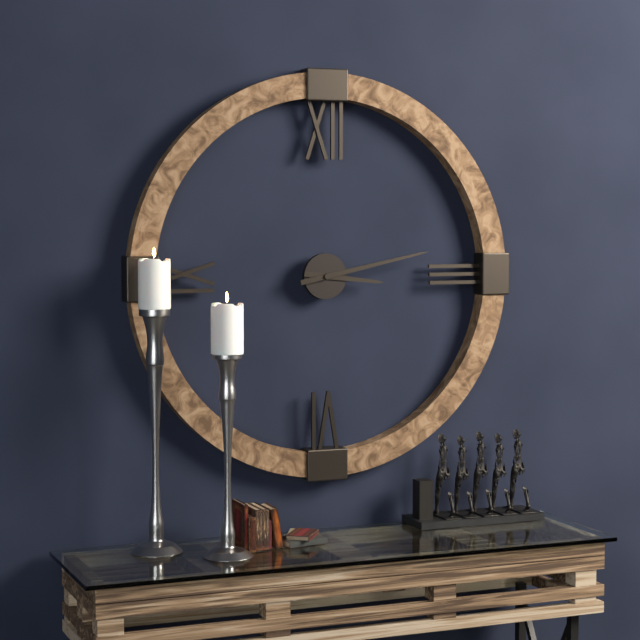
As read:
**3:13**
